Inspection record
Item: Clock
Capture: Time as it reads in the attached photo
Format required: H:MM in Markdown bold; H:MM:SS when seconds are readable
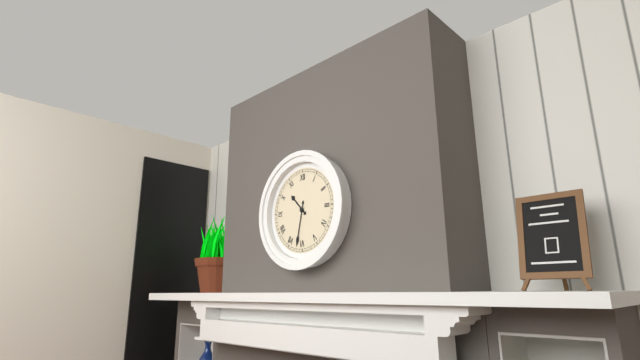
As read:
**10:32**
